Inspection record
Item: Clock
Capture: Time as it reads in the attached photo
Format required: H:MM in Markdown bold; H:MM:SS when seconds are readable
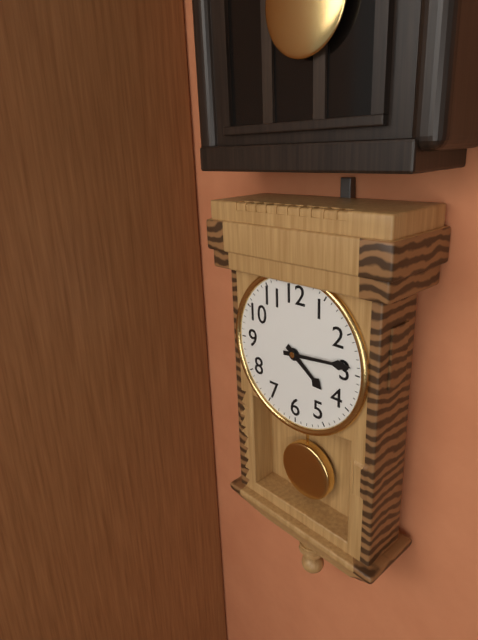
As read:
**4:14**
